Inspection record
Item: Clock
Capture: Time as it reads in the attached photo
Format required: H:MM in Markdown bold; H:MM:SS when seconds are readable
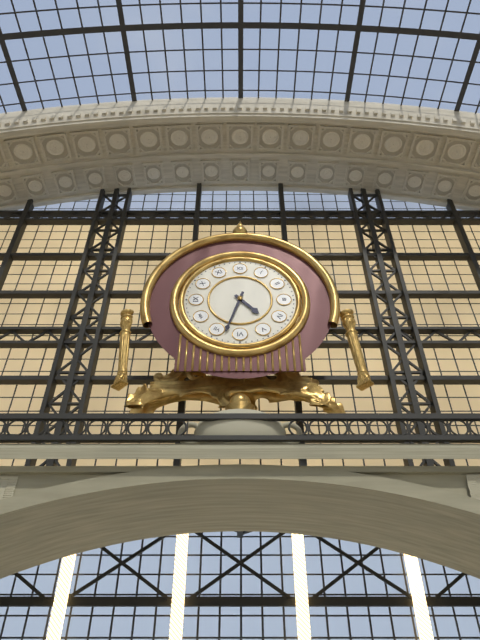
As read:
**4:33**
